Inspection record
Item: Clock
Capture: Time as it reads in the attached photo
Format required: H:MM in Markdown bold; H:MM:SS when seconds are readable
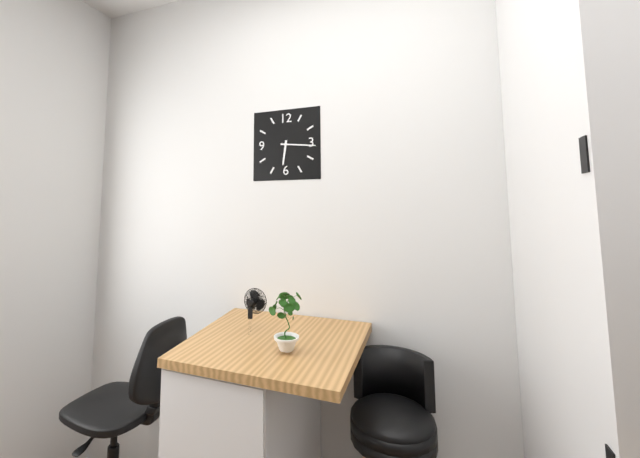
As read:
**6:16**
